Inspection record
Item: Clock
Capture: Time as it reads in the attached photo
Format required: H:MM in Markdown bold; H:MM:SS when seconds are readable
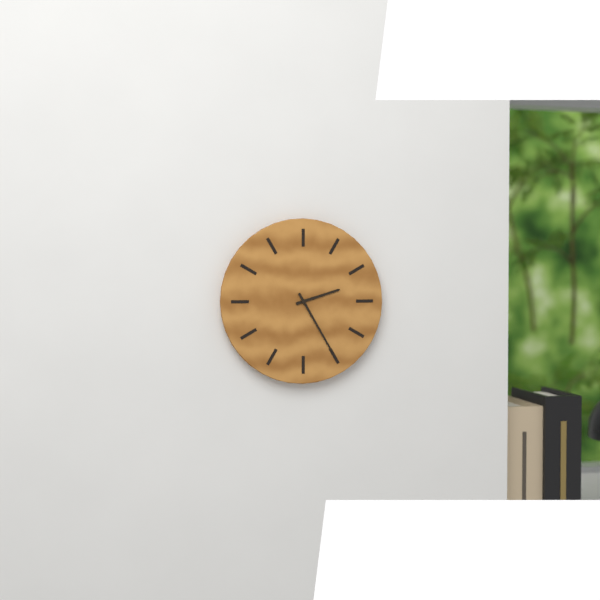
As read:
**2:25**
